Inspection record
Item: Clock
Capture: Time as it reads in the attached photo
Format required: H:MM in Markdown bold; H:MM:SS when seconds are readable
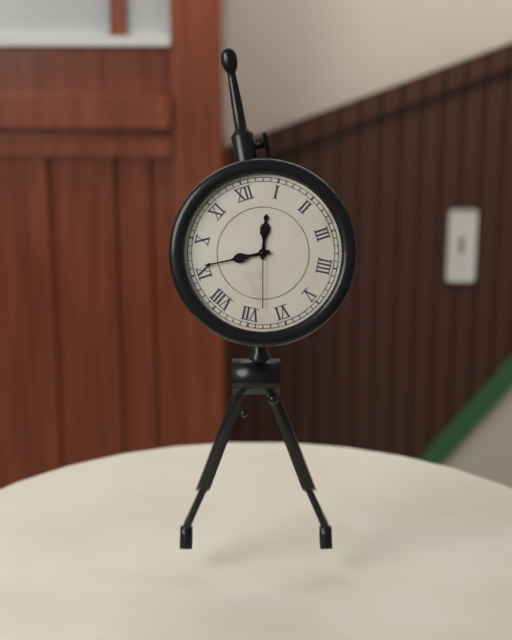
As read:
**12:46:33**
